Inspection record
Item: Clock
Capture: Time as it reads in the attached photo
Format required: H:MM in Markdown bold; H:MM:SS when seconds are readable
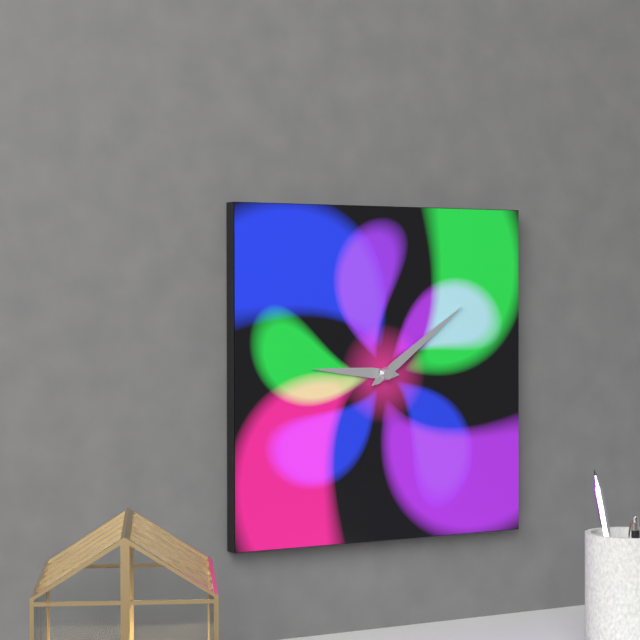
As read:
**9:09**
